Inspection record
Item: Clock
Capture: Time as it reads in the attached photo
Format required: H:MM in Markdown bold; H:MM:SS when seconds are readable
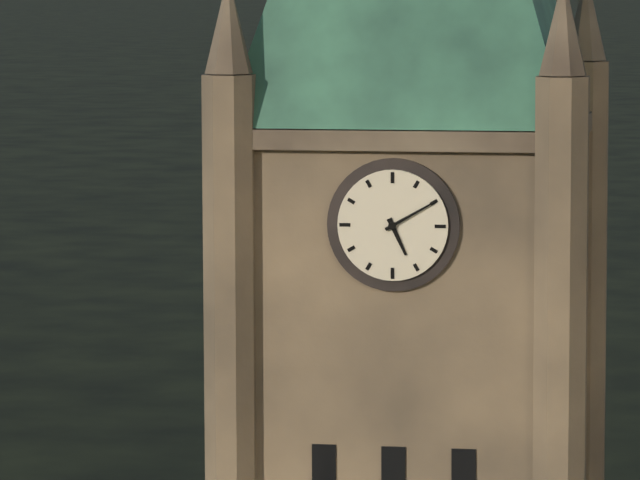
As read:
**5:10**
